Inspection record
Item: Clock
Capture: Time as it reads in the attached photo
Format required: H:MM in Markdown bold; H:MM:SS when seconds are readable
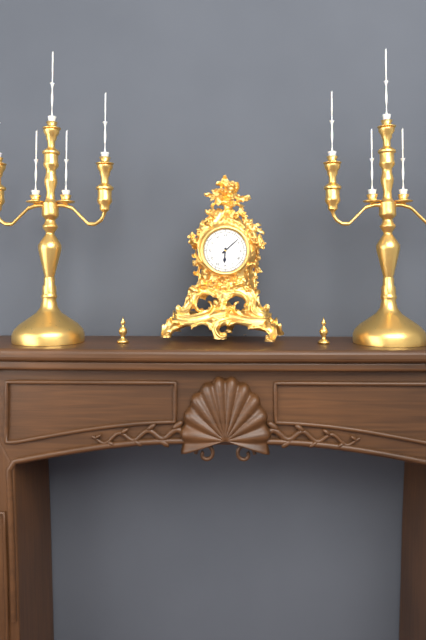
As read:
**6:08**
